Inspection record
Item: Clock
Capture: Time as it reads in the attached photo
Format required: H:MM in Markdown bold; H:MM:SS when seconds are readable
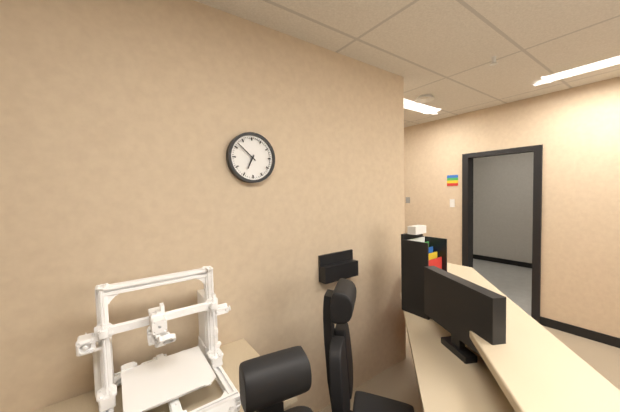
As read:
**6:52**
